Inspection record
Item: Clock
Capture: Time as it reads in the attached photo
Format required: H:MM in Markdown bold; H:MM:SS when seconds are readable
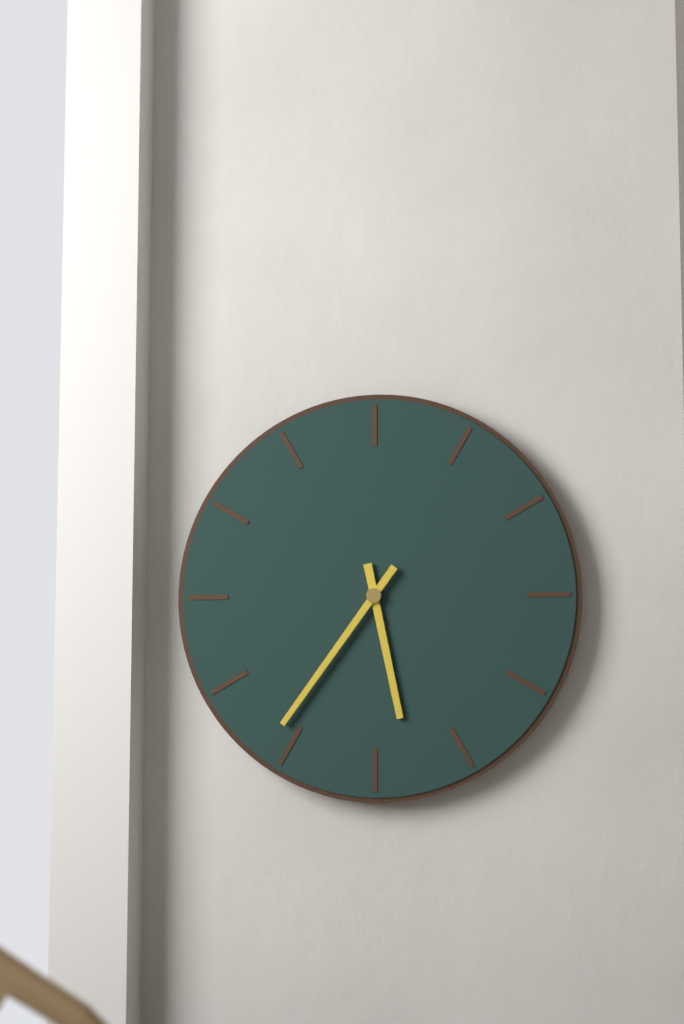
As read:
**5:36**
